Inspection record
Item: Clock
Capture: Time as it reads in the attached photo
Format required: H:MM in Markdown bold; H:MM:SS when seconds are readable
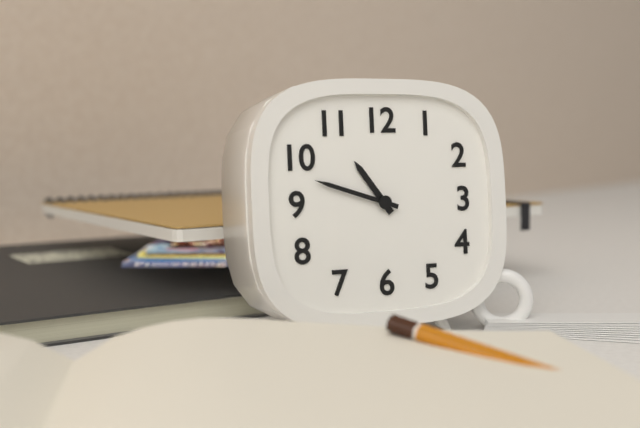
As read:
**10:48**
